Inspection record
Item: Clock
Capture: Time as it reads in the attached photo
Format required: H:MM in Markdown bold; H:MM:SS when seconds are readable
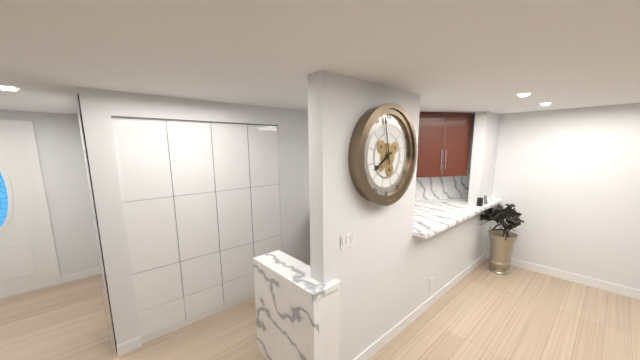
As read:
**7:58**
